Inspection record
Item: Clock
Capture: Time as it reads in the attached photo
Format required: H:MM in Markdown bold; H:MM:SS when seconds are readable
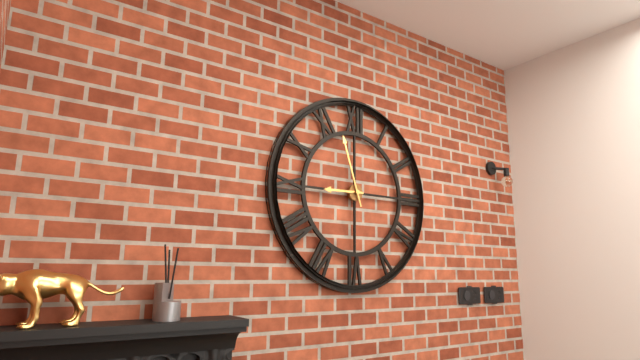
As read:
**8:57**
